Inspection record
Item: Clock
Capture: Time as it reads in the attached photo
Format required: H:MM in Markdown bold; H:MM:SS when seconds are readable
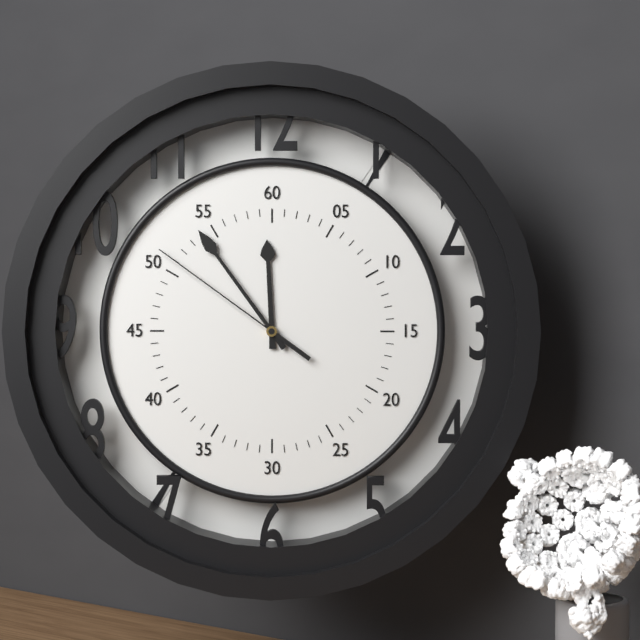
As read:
**11:54:51**
